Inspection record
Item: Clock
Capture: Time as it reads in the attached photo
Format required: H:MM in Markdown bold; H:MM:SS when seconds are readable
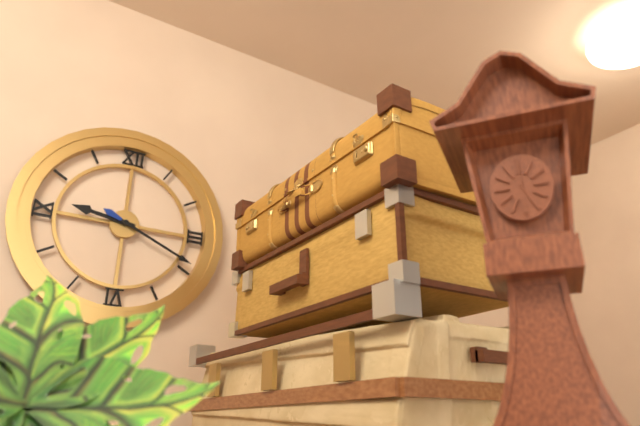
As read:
**9:19**
